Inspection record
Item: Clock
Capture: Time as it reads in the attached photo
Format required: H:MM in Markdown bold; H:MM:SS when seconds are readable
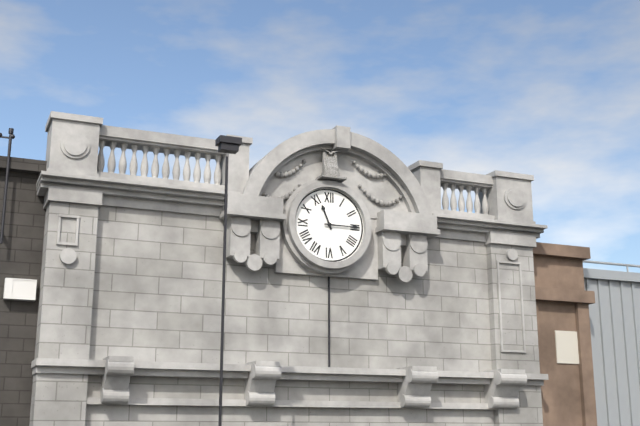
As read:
**11:15**
